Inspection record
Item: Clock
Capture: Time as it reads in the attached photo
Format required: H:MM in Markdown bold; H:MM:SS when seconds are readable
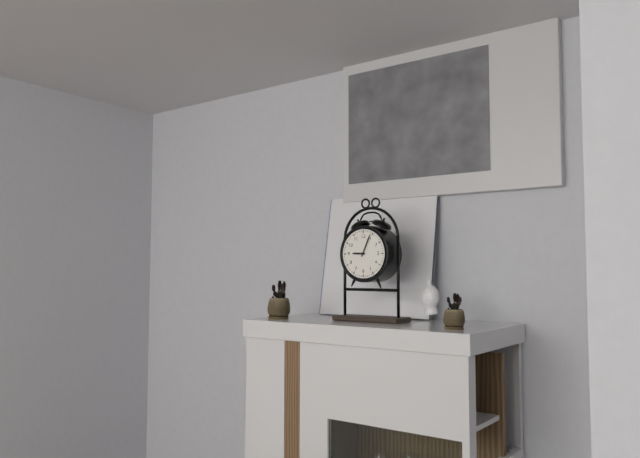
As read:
**9:04**
